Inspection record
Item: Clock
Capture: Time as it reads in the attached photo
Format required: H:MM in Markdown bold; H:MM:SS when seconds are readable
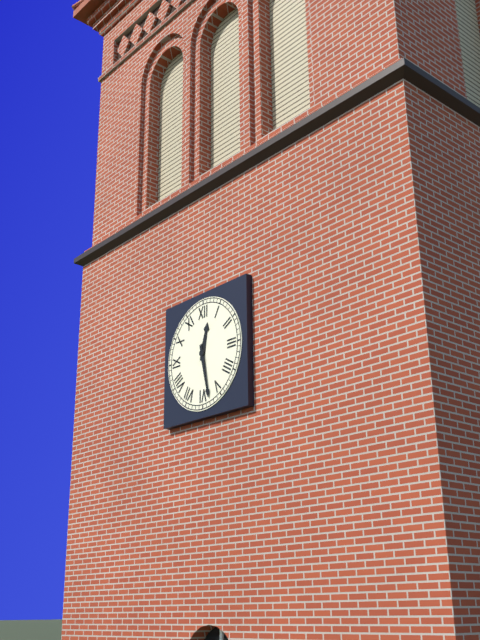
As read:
**12:28**
